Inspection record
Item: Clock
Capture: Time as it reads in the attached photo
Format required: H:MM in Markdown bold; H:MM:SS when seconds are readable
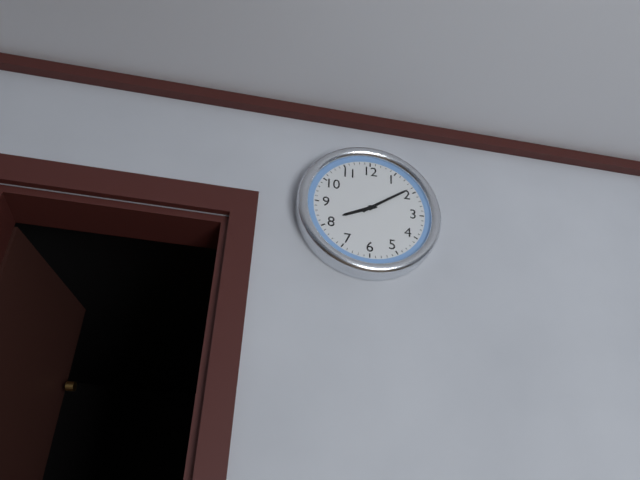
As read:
**8:09**
